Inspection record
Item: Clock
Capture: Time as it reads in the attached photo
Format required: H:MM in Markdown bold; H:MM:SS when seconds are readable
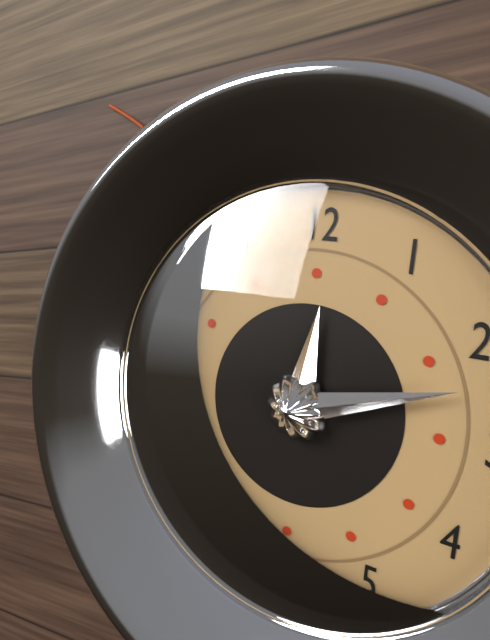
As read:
**12:12**
